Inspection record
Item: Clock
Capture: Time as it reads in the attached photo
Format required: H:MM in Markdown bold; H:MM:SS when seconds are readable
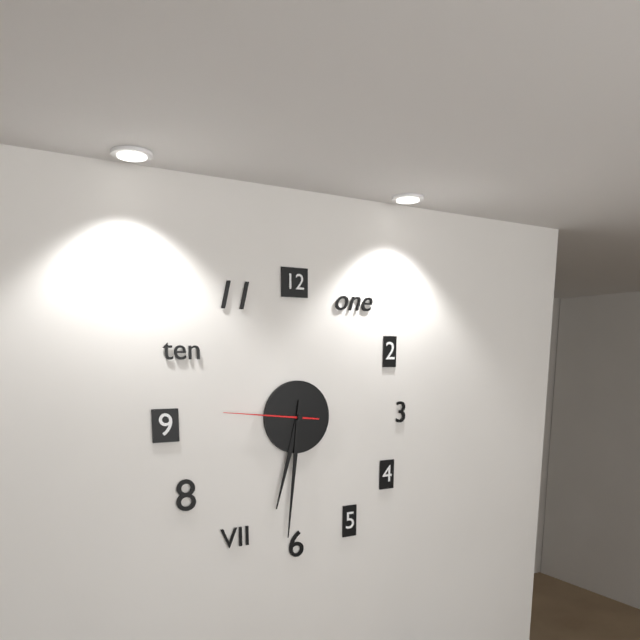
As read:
**6:31:46**
